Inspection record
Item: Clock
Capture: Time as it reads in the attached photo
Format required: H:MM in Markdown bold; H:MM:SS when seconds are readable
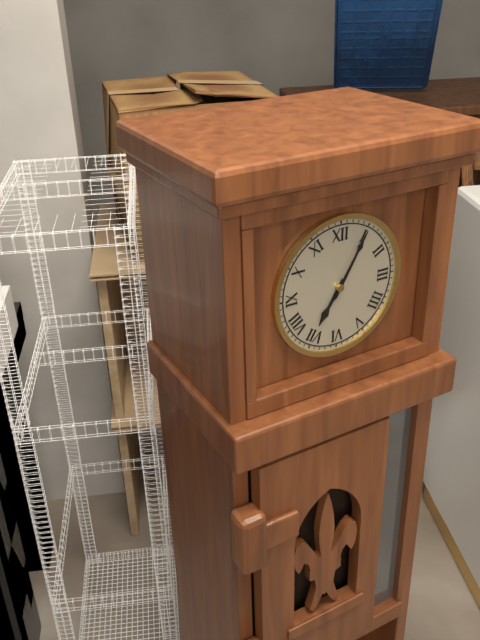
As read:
**7:05**
